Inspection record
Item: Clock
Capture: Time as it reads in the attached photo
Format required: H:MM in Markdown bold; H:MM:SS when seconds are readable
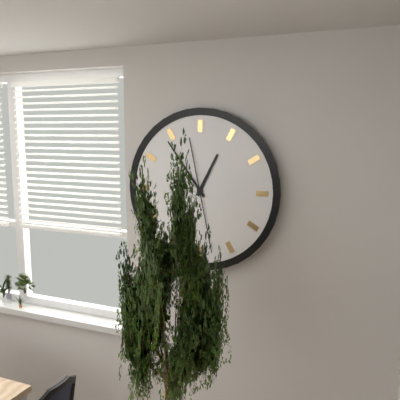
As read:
**12:54:28**
